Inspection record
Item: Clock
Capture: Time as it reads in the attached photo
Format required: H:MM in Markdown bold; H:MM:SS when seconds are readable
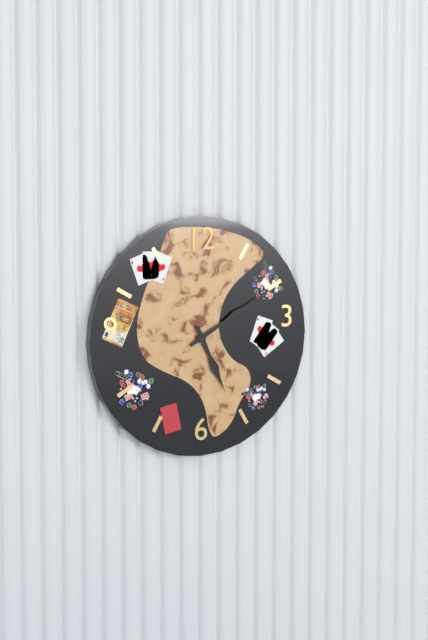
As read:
**5:10**
